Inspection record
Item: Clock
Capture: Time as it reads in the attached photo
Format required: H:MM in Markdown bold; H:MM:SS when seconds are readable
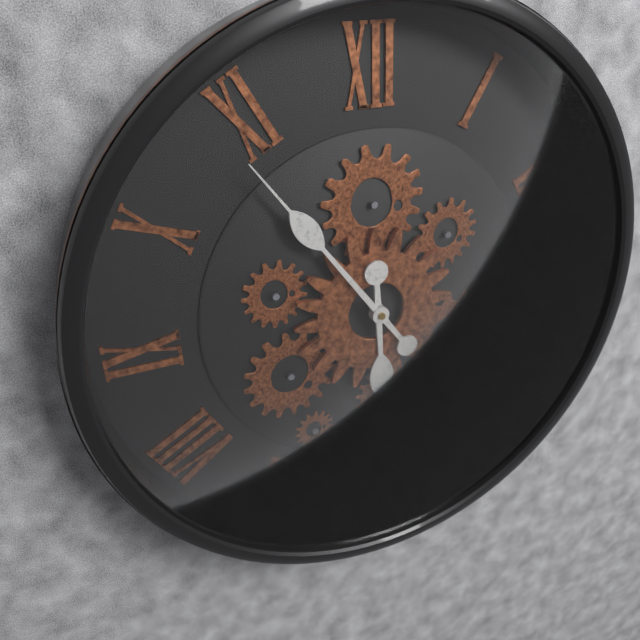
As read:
**5:54**
